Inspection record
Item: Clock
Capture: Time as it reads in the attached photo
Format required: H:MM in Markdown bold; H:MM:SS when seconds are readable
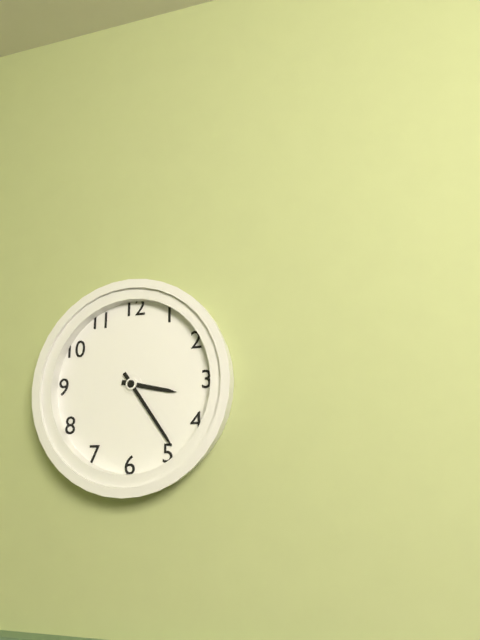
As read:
**3:24**
